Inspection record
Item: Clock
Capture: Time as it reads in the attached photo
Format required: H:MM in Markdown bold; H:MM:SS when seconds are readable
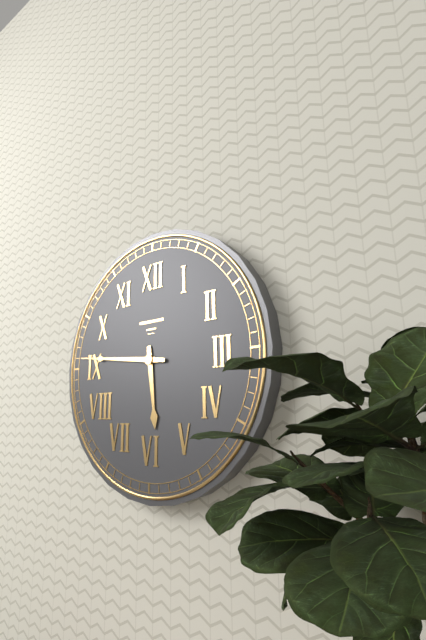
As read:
**5:46**
